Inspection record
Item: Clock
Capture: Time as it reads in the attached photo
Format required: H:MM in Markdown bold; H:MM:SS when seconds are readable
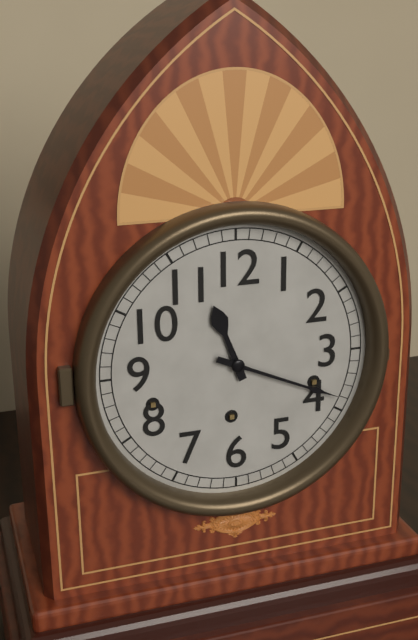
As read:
**11:19**
